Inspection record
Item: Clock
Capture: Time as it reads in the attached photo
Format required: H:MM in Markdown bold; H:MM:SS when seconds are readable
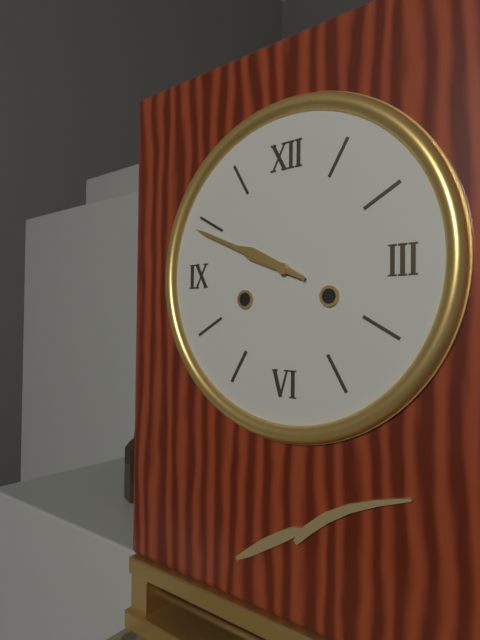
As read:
**9:49**
